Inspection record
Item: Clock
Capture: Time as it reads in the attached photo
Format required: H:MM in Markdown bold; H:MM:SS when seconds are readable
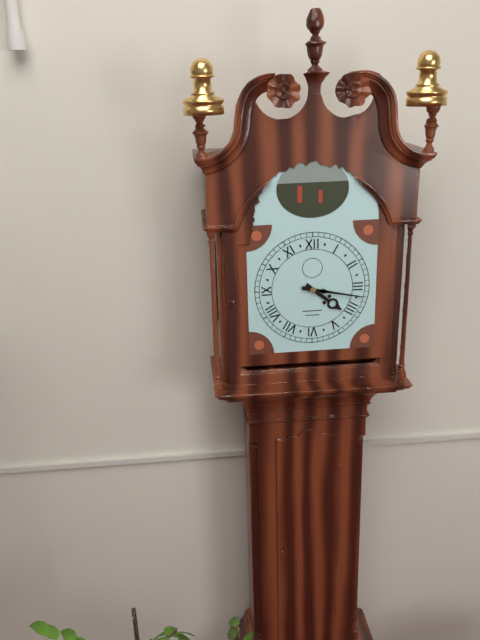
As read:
**4:17**
